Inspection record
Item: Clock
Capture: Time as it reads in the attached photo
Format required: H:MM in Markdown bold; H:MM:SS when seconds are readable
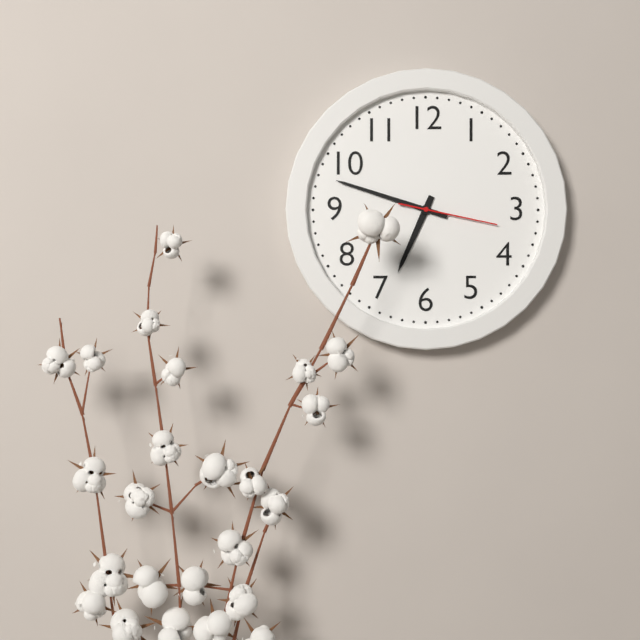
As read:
**6:48:17**
